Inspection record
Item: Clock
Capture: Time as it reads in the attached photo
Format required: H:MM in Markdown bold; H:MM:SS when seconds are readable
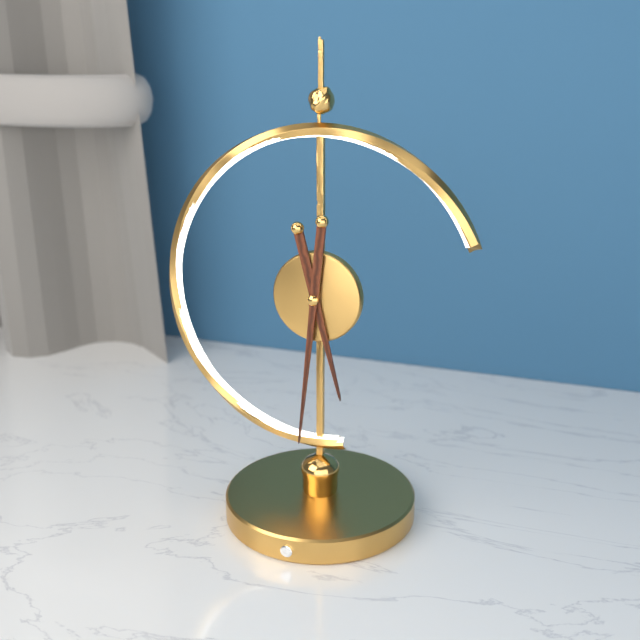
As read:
**5:31**
